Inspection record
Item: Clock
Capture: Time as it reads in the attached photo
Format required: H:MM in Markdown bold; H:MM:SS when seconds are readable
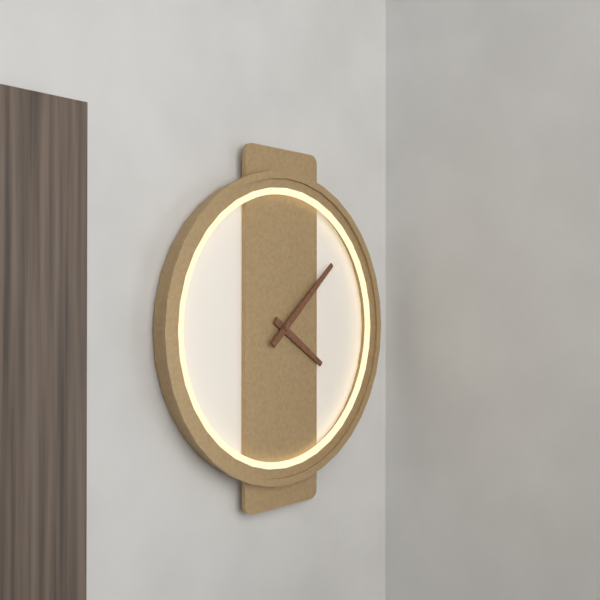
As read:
**4:08**
